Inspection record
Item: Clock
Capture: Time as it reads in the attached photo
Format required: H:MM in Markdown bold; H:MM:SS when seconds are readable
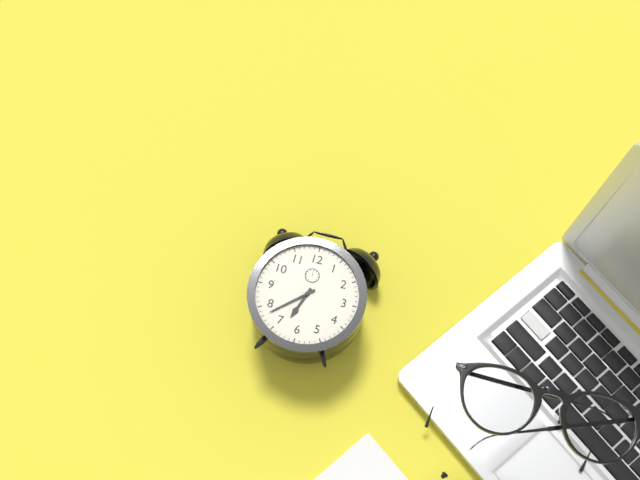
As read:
**6:38**
